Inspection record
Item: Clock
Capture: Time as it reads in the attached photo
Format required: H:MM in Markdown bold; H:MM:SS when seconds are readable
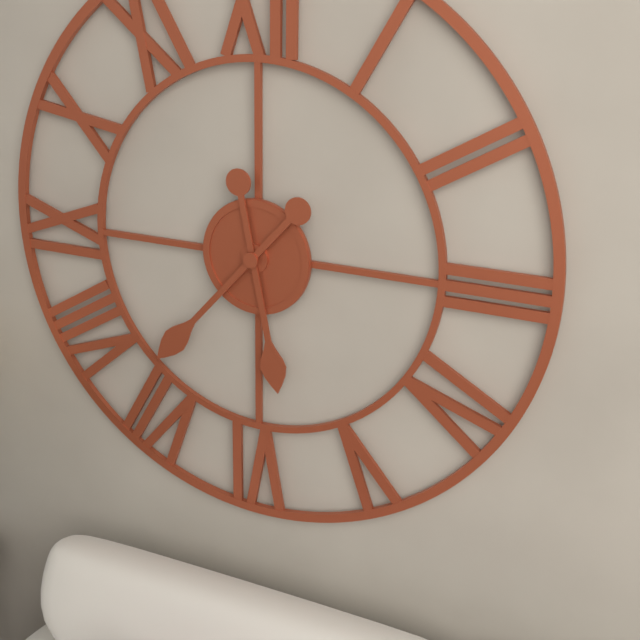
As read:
**5:37**
